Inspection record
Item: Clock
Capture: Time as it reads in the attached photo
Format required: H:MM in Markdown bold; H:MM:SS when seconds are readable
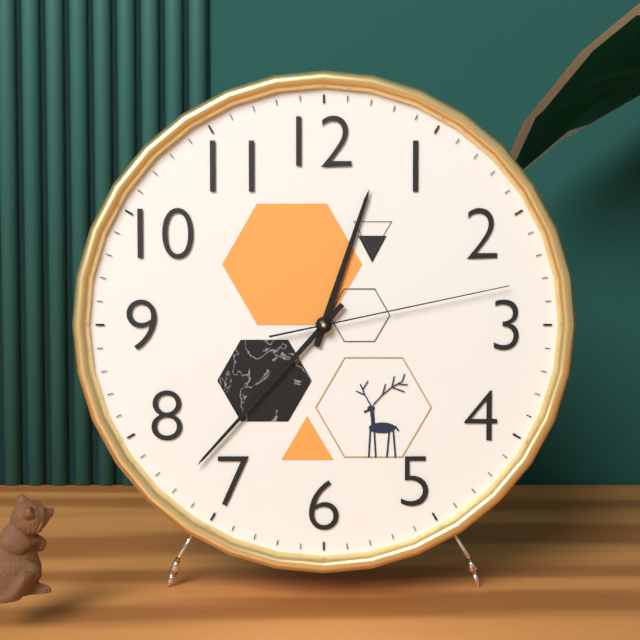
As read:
**12:37:13**
